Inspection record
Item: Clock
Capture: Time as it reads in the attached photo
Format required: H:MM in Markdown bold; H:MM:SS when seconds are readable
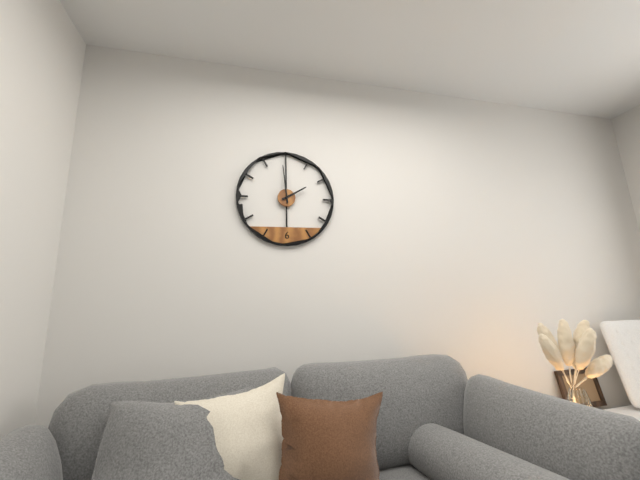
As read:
**1:59**
